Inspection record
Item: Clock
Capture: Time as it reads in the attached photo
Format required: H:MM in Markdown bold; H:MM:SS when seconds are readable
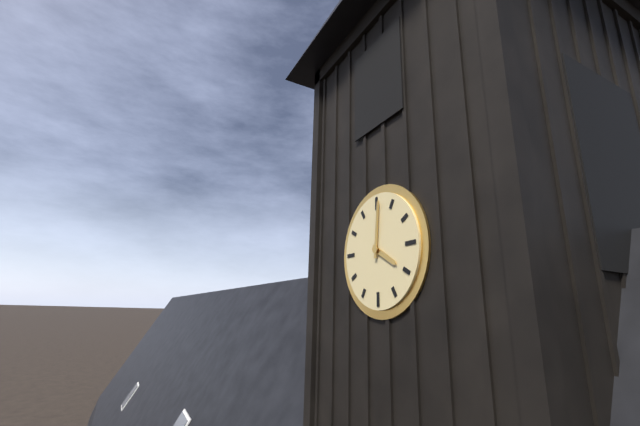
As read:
**4:01**
